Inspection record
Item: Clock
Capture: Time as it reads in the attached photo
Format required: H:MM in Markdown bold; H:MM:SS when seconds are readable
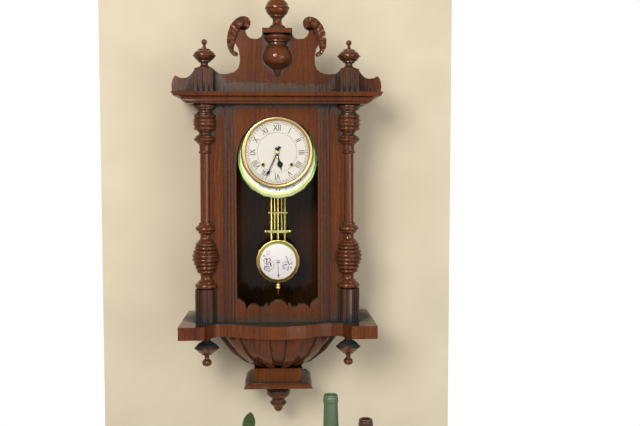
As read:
**5:34**
